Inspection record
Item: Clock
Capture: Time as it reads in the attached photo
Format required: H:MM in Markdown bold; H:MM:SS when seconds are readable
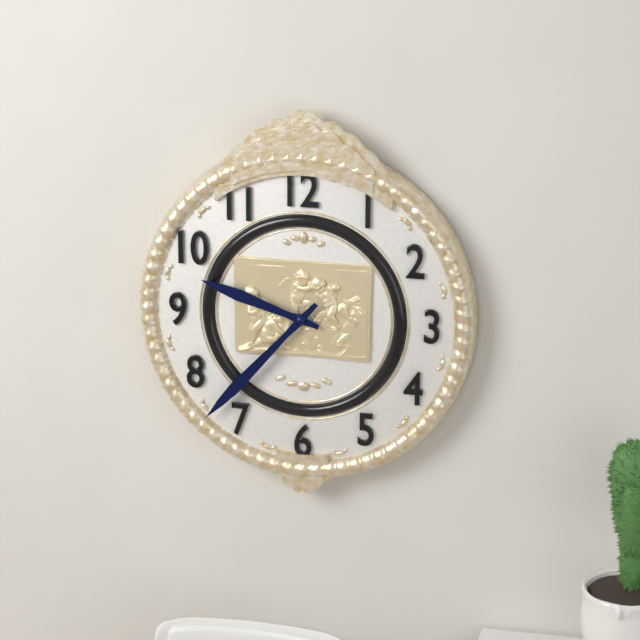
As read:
**9:37**
